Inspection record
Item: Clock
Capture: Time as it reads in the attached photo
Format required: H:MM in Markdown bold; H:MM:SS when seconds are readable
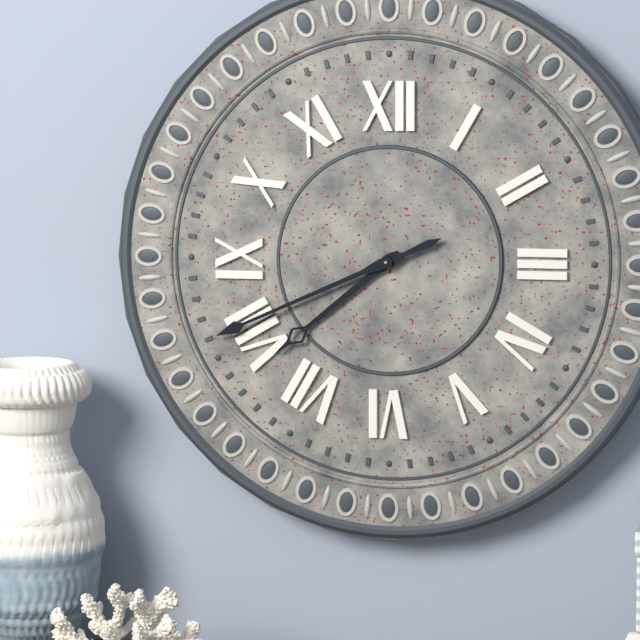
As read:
**7:41**
